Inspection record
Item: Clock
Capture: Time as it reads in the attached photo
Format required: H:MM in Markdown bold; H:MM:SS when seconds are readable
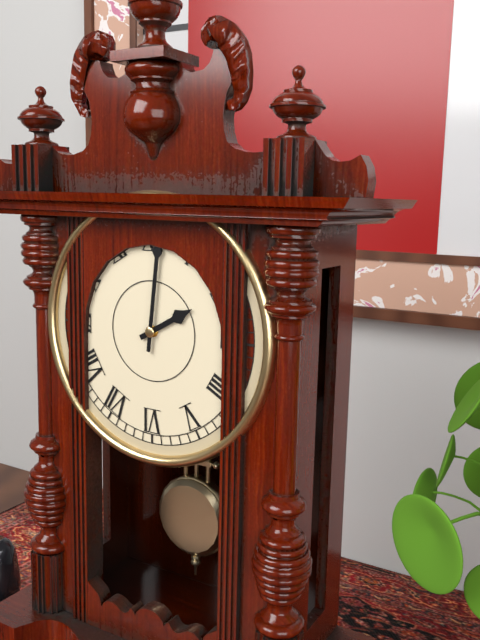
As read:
**2:01**
